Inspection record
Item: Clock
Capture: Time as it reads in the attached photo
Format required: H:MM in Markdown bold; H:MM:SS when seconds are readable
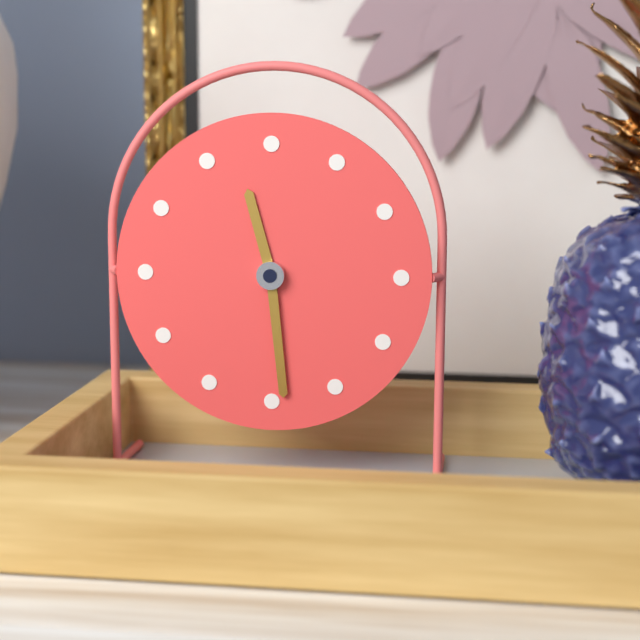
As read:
**11:29**
